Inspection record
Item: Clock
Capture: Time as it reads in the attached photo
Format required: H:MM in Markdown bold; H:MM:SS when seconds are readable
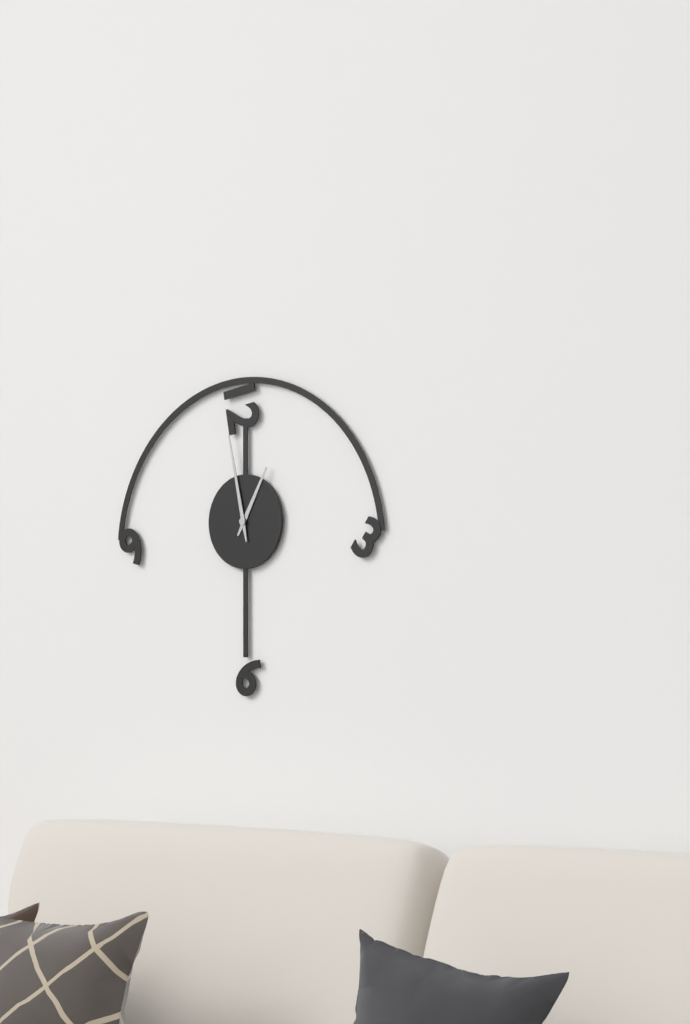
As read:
**12:58**
